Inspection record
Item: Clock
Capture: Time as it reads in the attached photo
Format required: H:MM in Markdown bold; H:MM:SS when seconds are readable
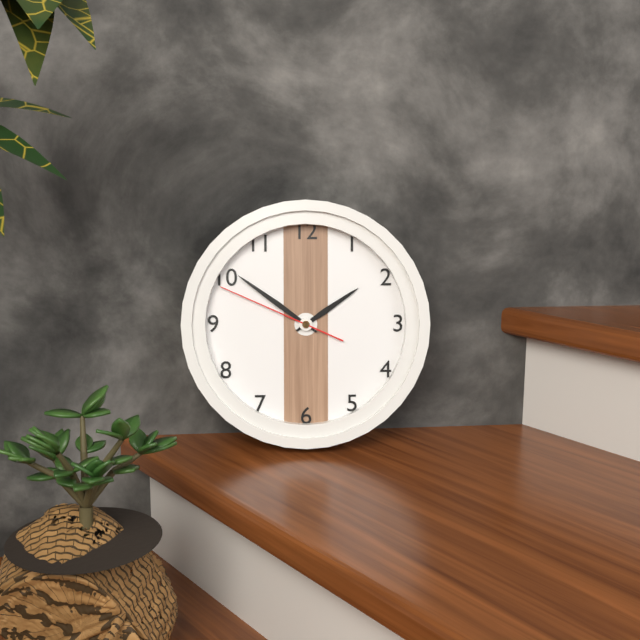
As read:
**1:51:49**
